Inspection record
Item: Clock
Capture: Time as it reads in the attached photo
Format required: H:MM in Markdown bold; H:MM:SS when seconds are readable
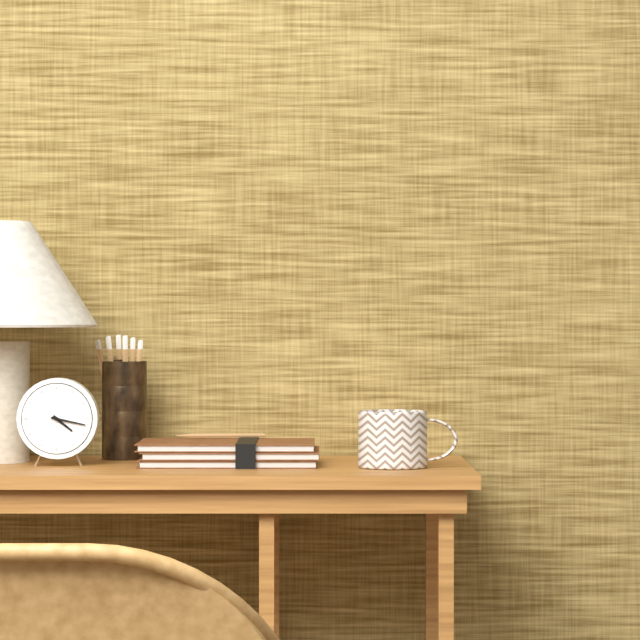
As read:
**4:17**
